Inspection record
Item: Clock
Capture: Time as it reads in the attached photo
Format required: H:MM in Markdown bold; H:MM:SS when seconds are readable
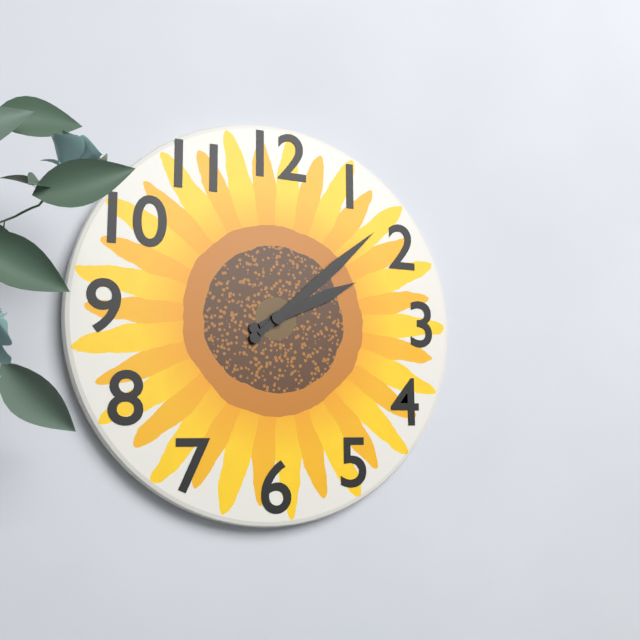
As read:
**2:08**
